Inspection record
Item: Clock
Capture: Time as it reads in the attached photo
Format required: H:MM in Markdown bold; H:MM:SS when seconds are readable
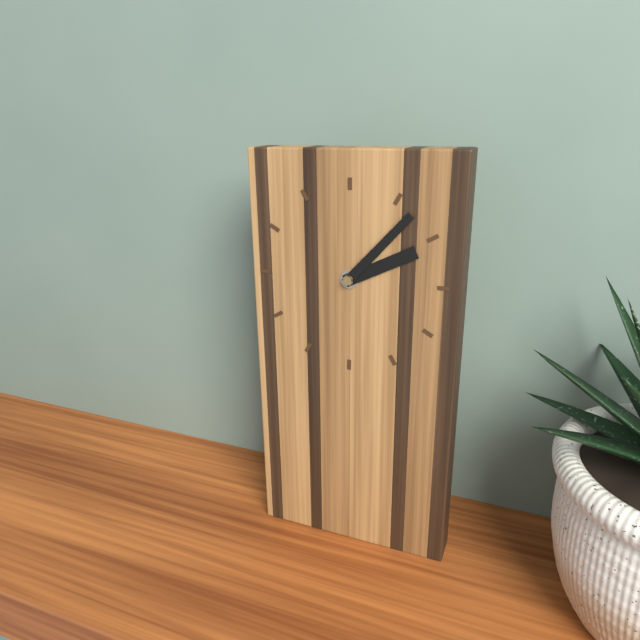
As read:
**2:07**
